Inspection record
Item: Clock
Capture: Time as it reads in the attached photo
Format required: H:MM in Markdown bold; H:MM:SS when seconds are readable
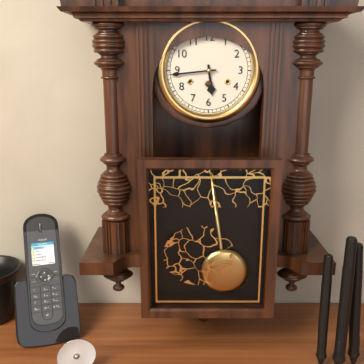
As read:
**5:44**
